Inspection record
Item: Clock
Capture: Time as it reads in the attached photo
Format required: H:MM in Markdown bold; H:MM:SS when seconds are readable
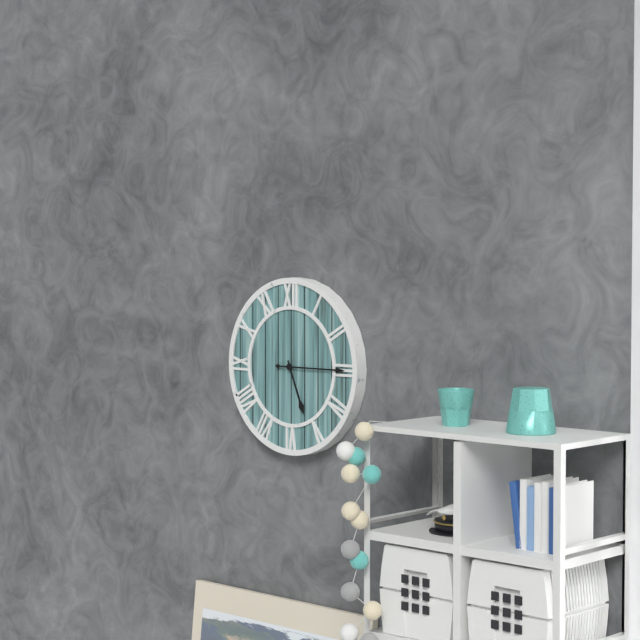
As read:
**5:15**
